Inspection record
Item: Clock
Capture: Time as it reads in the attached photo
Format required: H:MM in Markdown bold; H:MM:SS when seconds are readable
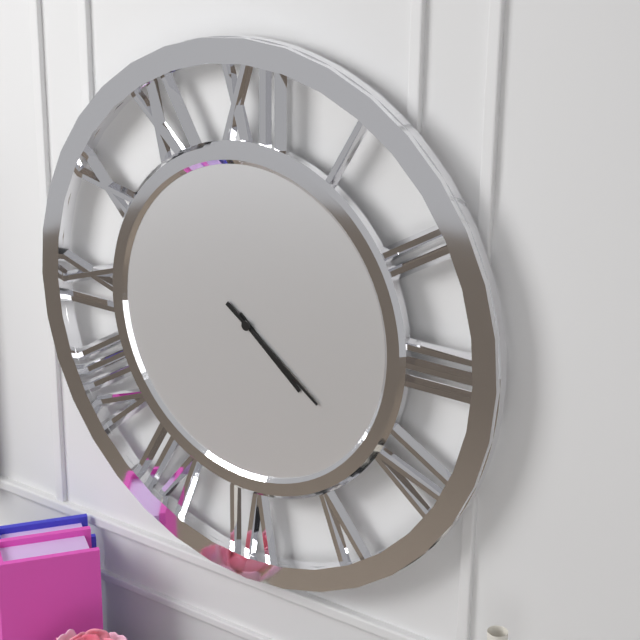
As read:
**4:21**
